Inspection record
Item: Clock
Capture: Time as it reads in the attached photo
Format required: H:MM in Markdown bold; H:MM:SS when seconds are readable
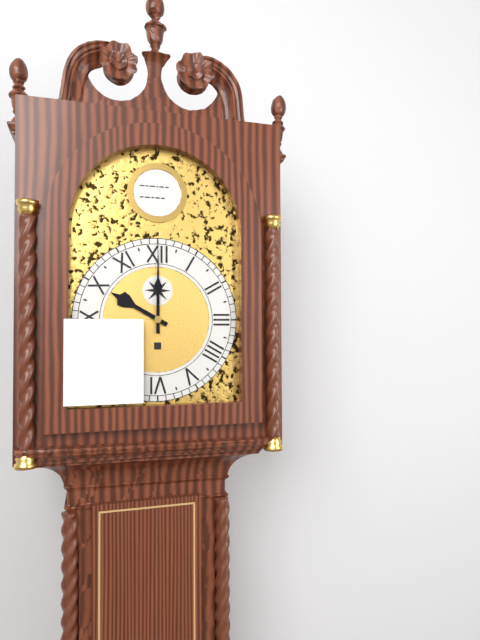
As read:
**10:00**
